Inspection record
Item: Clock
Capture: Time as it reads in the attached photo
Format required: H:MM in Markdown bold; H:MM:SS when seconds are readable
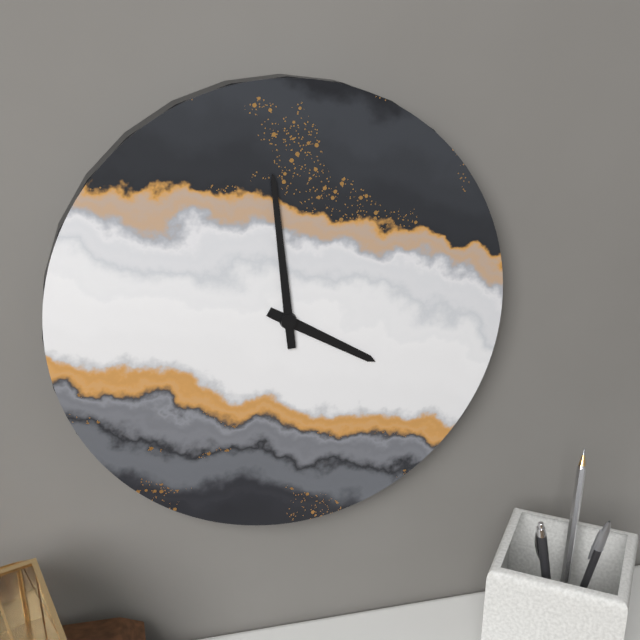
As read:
**3:59**
